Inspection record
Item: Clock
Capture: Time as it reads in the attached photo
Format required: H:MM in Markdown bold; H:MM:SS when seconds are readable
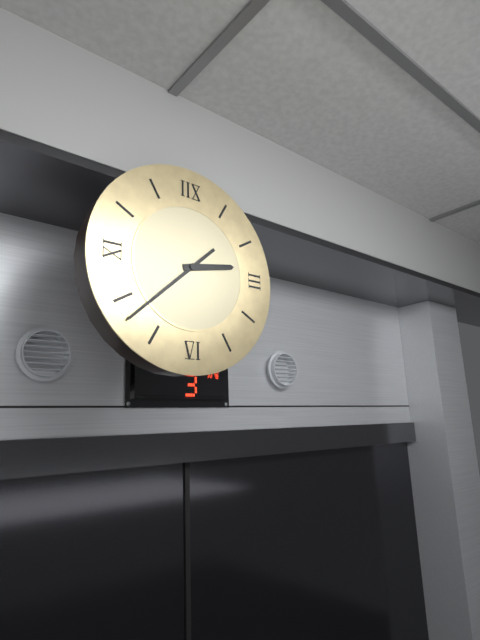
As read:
**2:38**
